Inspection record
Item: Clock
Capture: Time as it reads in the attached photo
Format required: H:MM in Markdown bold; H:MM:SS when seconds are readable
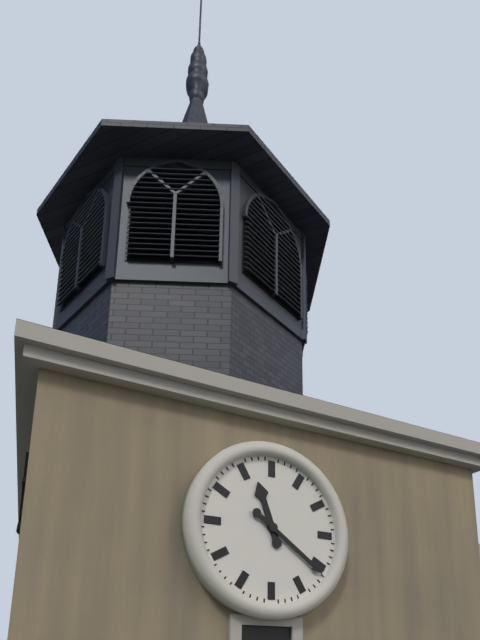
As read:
**11:21**
